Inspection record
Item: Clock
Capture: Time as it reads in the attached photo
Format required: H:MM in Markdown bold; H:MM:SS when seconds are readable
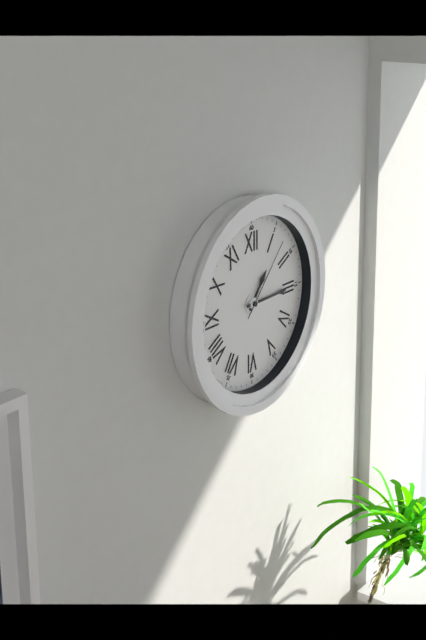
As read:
**1:15:07**
